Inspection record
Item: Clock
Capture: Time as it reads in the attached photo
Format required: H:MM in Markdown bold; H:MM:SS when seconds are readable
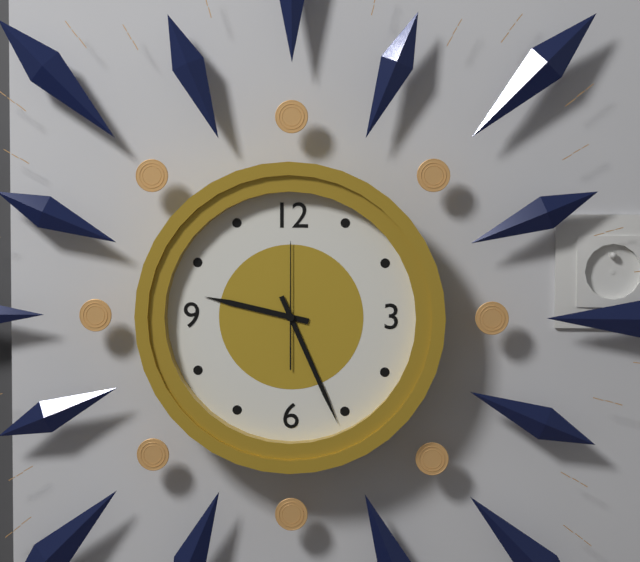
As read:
**9:26:00**
